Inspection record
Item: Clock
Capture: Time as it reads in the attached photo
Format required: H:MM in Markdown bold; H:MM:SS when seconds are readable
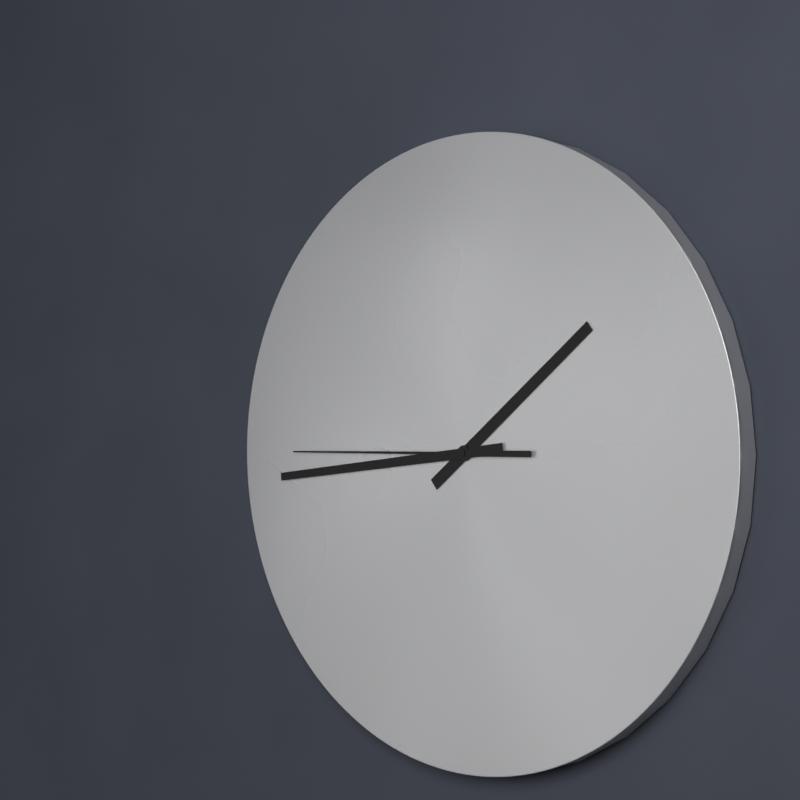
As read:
**1:44:45**
